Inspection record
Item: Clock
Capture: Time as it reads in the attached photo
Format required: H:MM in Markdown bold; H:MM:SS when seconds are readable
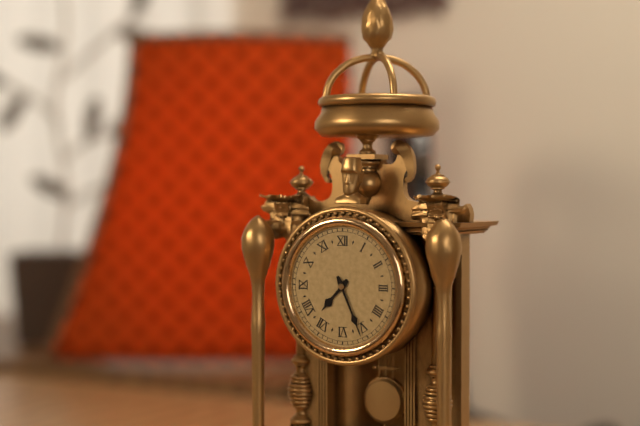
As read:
**7:26**
